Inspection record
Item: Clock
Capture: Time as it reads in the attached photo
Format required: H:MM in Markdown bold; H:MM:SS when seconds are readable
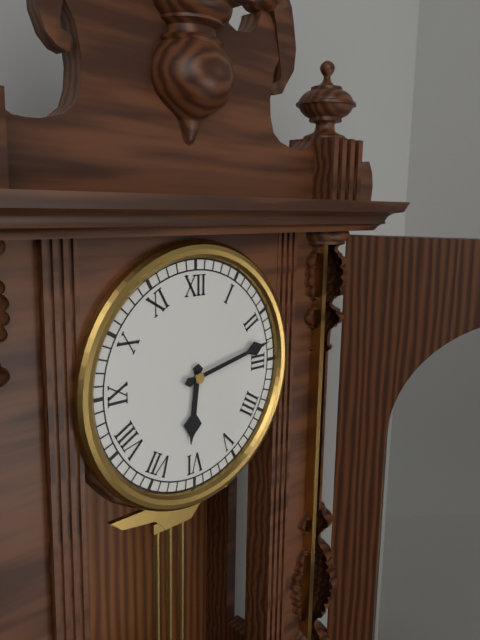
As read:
**6:13**
